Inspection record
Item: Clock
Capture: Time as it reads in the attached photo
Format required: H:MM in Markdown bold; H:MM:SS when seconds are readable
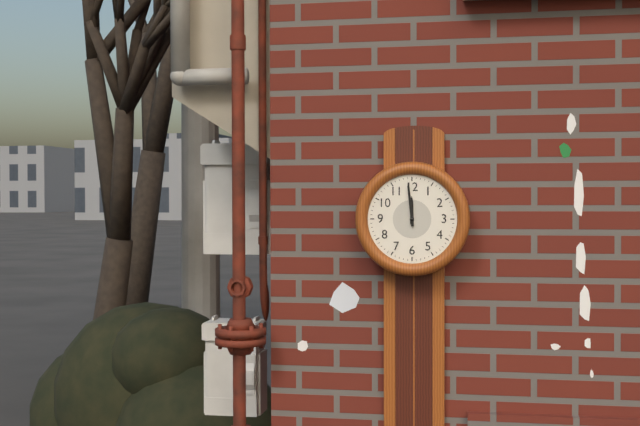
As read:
**11:59**
